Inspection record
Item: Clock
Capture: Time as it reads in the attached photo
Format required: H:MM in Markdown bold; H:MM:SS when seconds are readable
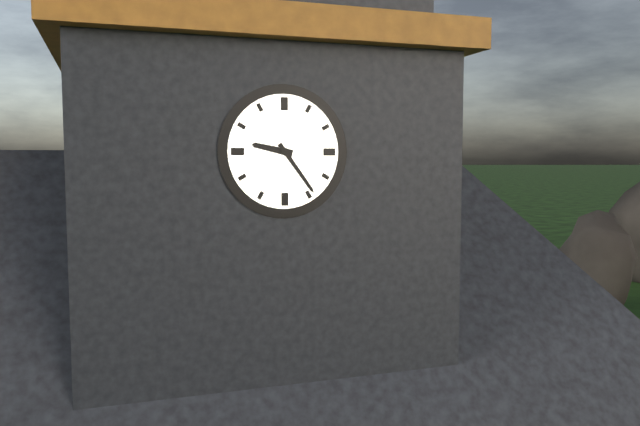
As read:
**9:24**
